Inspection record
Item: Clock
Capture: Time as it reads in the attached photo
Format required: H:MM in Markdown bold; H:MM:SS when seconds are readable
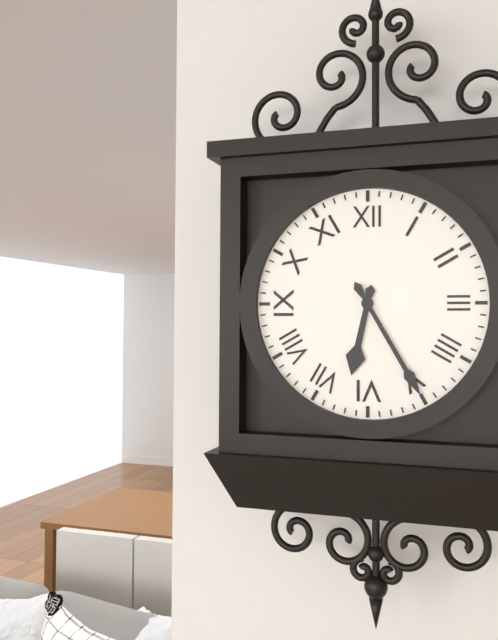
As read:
**6:25**
